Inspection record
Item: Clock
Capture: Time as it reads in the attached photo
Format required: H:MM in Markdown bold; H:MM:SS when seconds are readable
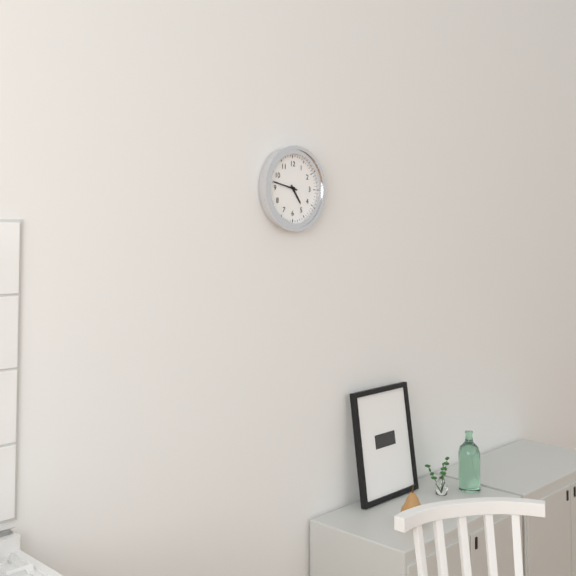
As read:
**4:47**
